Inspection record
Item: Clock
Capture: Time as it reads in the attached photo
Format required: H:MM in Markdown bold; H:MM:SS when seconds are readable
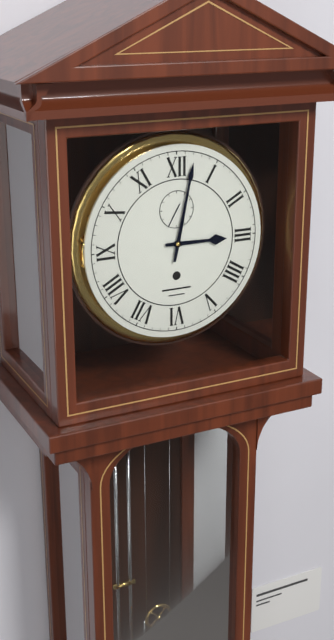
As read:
**3:02**
